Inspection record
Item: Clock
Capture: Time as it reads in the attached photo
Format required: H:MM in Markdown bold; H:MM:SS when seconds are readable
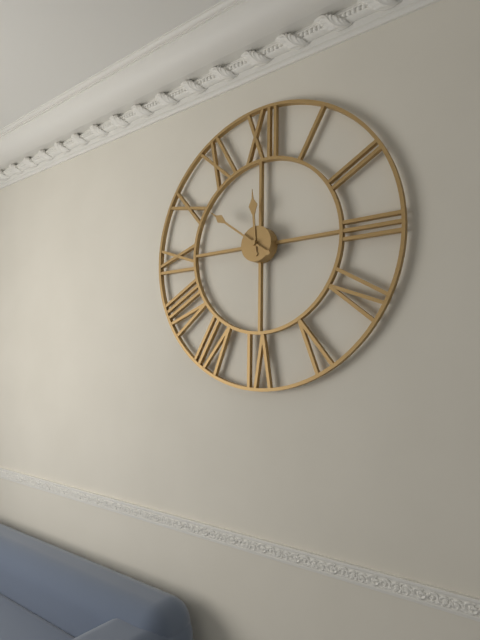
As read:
**11:51**
